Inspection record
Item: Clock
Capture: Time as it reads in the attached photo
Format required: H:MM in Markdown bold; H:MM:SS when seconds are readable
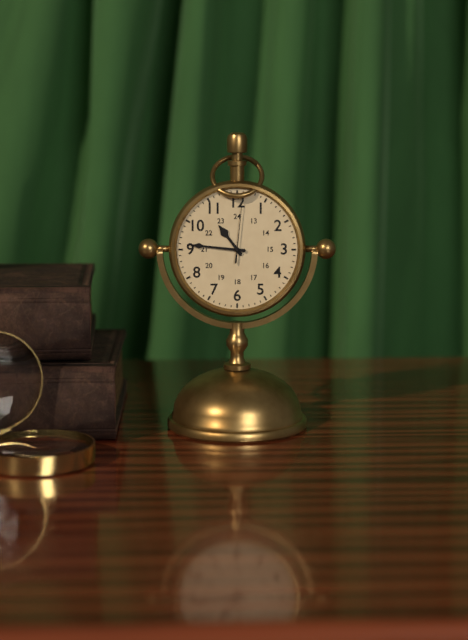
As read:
**10:46:01**
